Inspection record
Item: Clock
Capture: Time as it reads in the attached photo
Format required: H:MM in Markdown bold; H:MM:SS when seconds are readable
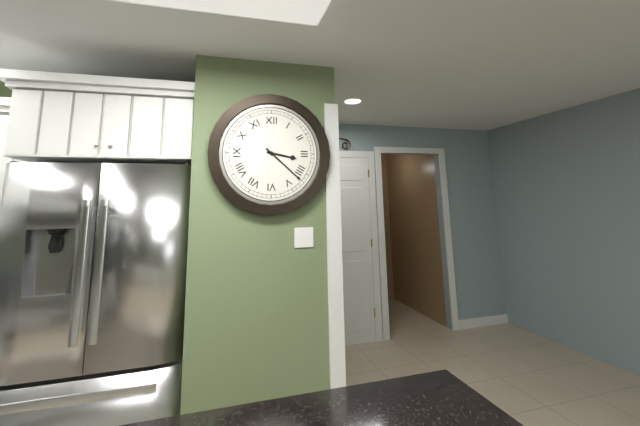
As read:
**3:22**
